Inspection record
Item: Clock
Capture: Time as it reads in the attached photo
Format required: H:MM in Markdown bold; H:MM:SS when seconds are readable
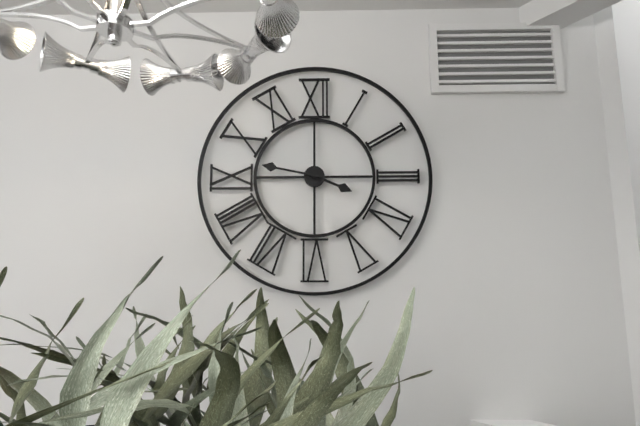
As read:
**3:47**
